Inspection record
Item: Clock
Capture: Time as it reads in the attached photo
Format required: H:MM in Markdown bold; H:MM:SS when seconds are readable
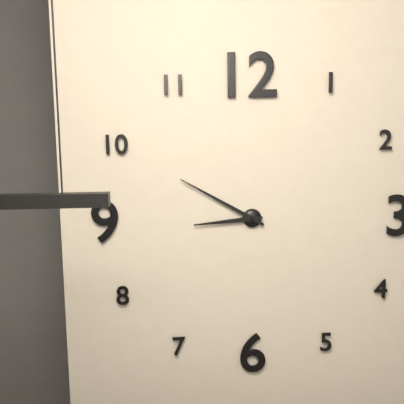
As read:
**8:50**
